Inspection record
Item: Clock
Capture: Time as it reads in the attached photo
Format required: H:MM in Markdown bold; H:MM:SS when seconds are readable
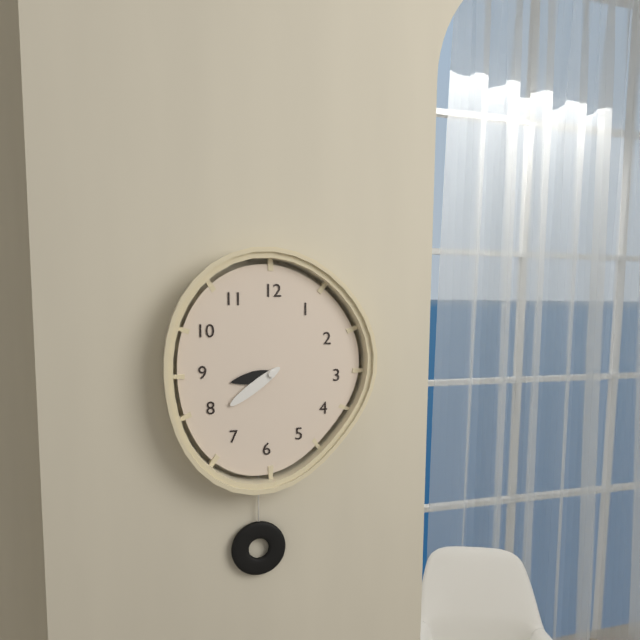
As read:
**8:39**
